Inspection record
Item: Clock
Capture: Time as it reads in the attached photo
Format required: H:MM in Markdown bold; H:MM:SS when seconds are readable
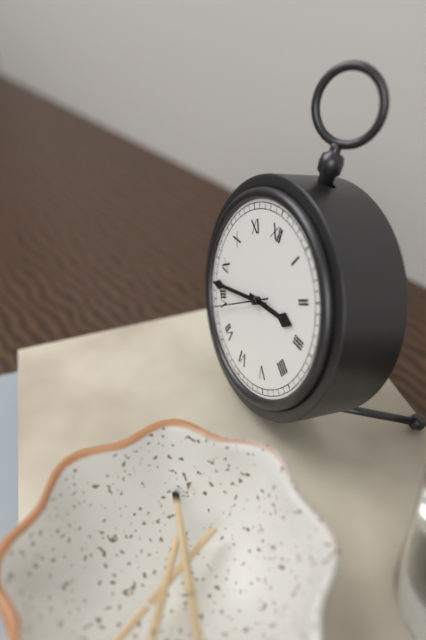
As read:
**2:42:39**
